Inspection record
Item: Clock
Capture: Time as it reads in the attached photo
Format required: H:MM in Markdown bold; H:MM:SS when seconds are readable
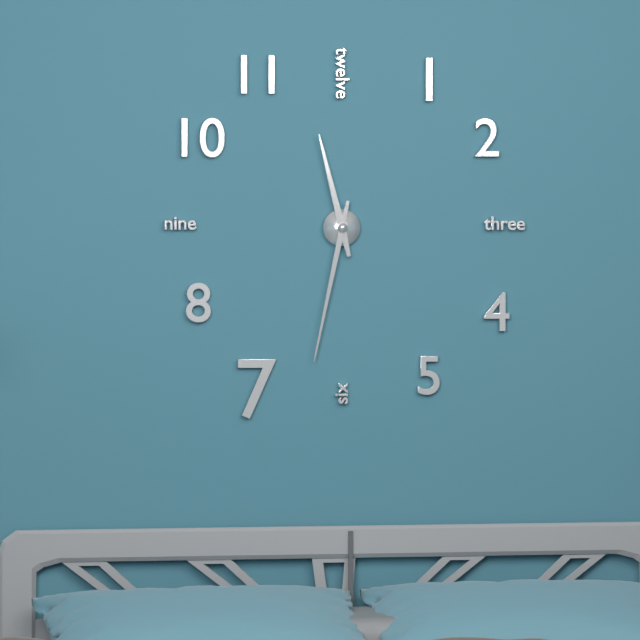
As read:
**11:32**
